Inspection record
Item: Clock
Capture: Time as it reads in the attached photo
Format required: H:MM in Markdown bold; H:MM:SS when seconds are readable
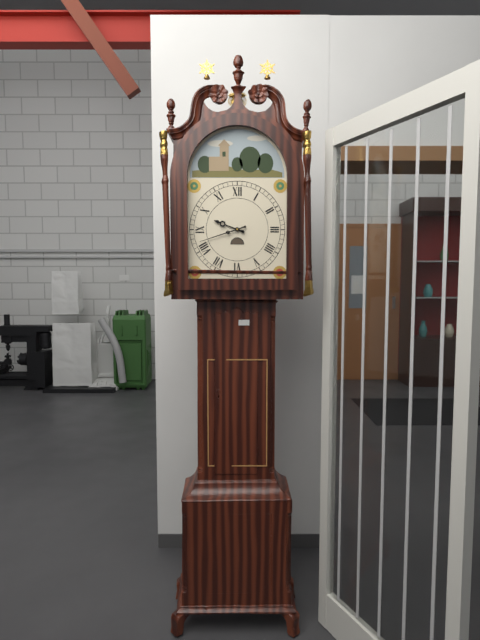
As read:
**9:42**
